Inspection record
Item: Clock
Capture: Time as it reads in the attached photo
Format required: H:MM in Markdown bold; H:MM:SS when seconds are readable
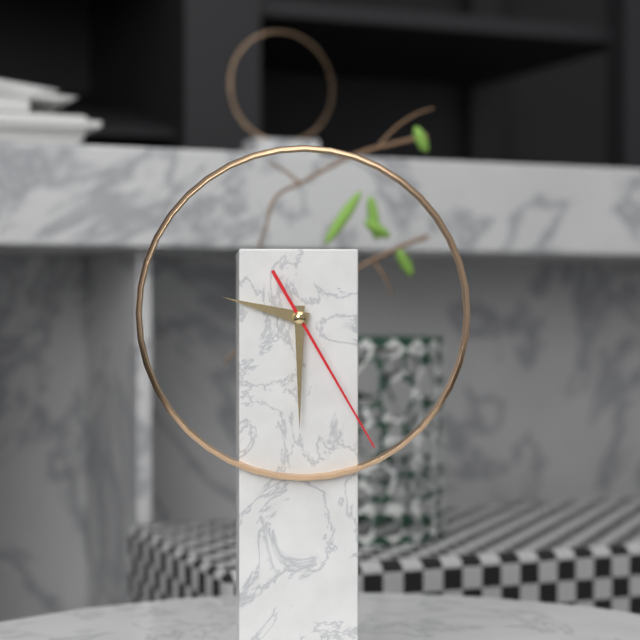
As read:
**9:30:25**
